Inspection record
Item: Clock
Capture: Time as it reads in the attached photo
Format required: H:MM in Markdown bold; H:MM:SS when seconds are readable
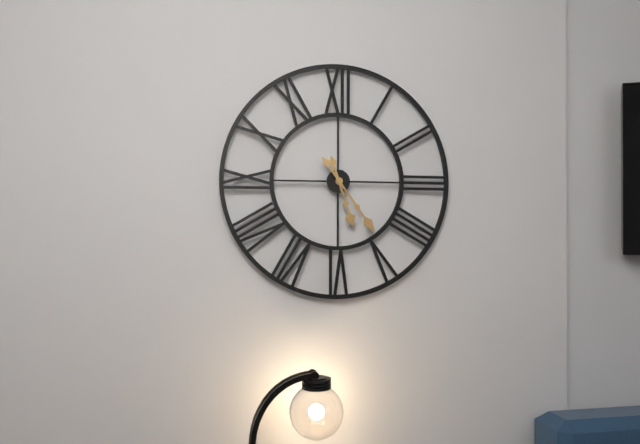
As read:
**5:24**
